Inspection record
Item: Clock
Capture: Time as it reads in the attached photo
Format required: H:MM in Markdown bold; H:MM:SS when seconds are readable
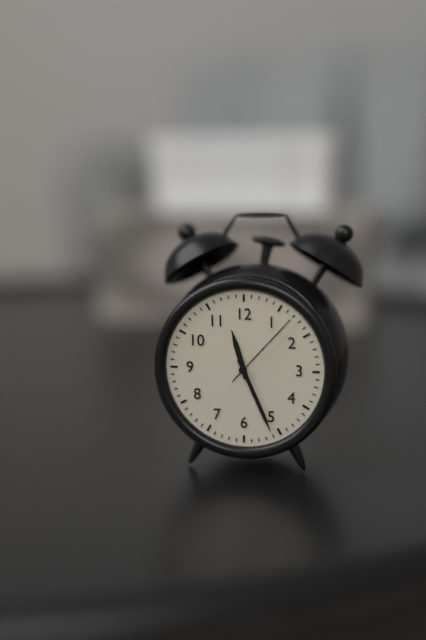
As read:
**11:26:07**
